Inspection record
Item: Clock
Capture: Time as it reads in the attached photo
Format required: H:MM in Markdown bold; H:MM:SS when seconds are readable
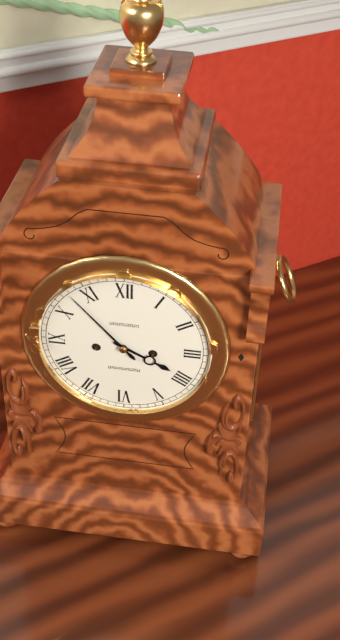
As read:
**3:53**
